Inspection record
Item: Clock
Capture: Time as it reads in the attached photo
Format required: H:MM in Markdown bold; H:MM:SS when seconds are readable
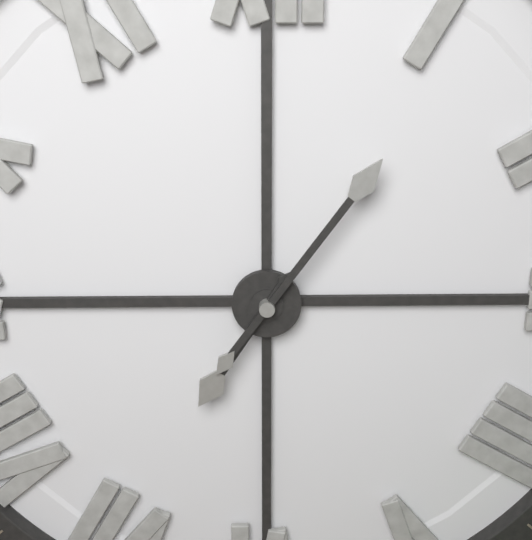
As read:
**7:06**
